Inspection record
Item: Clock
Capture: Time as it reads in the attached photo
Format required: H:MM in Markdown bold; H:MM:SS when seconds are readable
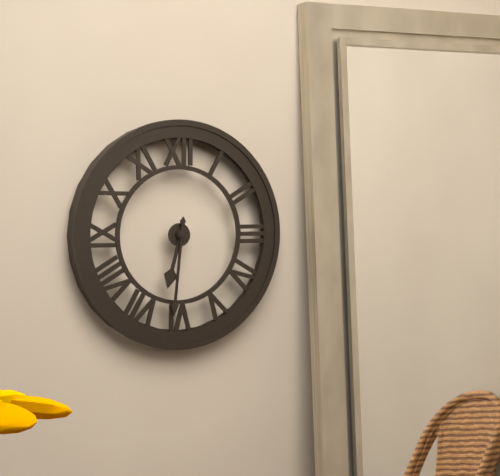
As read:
**6:31**
